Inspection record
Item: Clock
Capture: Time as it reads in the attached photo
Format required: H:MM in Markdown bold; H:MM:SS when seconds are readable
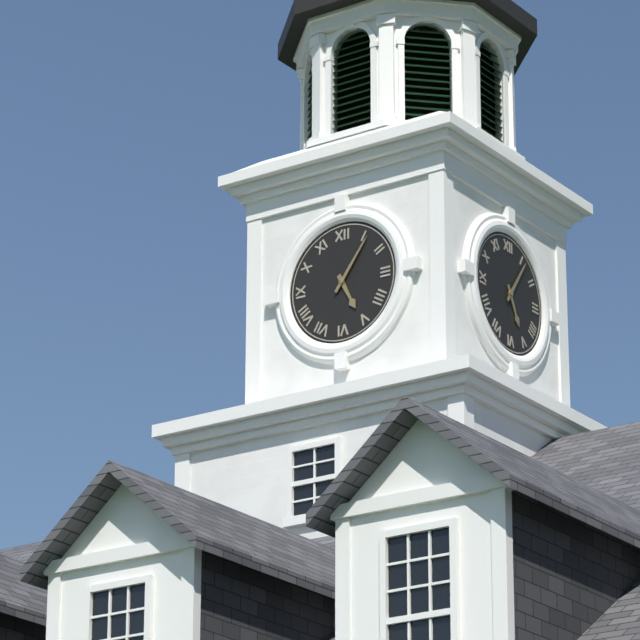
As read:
**5:06**
